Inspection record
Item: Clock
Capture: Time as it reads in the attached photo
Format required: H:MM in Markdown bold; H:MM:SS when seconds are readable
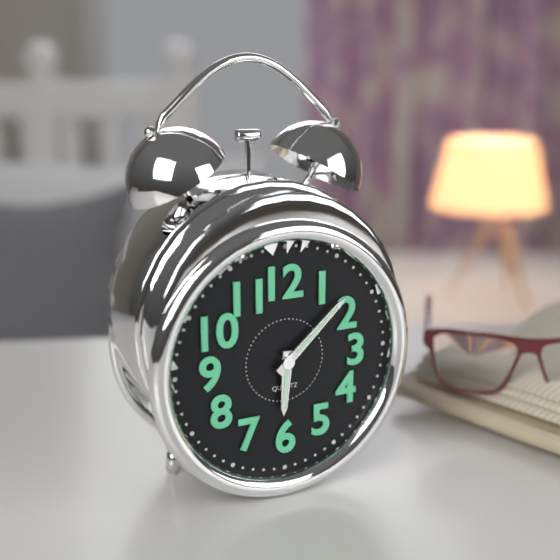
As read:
**6:08**
